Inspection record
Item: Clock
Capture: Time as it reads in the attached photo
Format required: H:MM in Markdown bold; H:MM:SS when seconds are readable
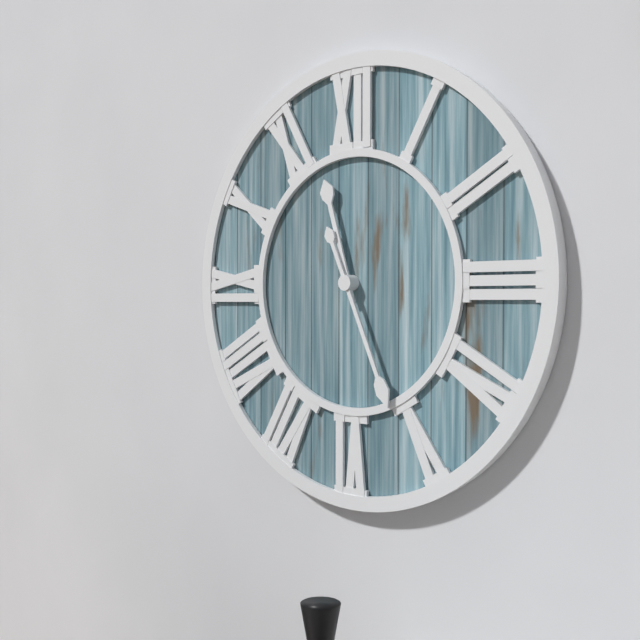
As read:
**11:26**
